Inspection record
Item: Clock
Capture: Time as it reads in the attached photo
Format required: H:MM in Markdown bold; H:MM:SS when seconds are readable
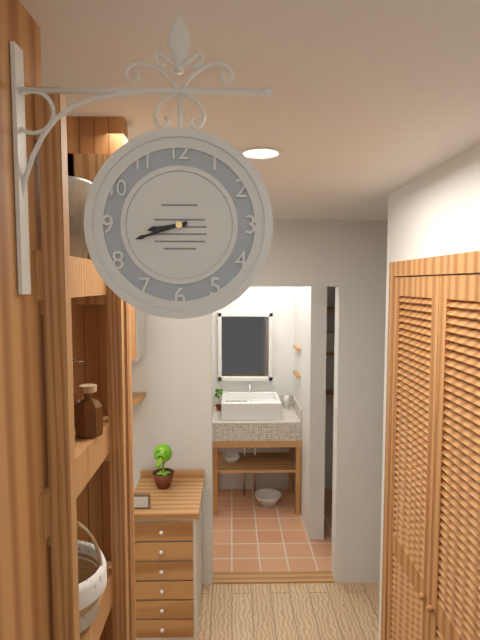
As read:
**8:42**
